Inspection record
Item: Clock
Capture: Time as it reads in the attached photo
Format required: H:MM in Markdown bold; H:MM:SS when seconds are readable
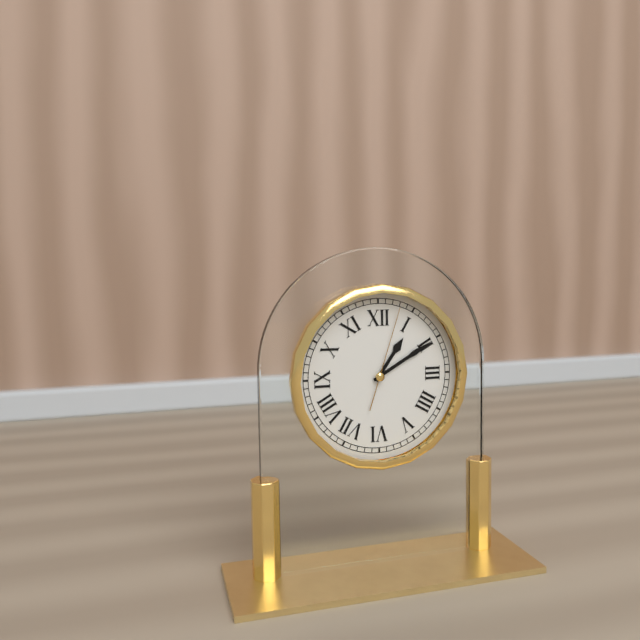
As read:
**1:10:03**
